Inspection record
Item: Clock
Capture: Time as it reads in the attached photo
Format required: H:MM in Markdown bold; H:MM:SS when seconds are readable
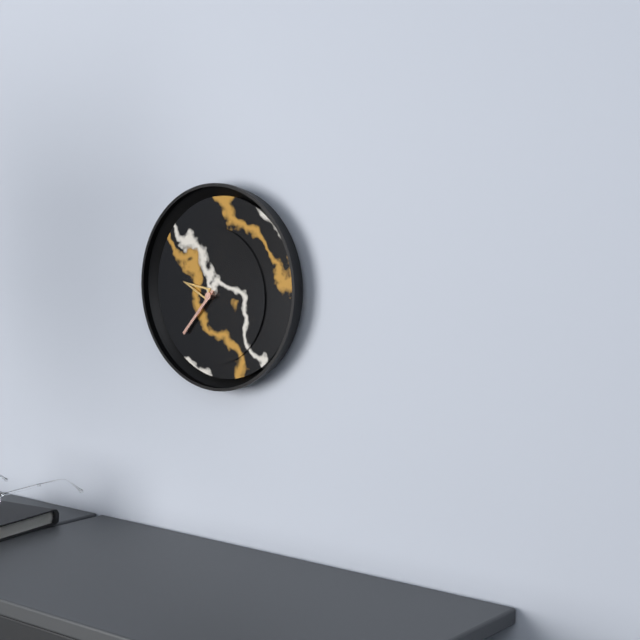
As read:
**9:37**
